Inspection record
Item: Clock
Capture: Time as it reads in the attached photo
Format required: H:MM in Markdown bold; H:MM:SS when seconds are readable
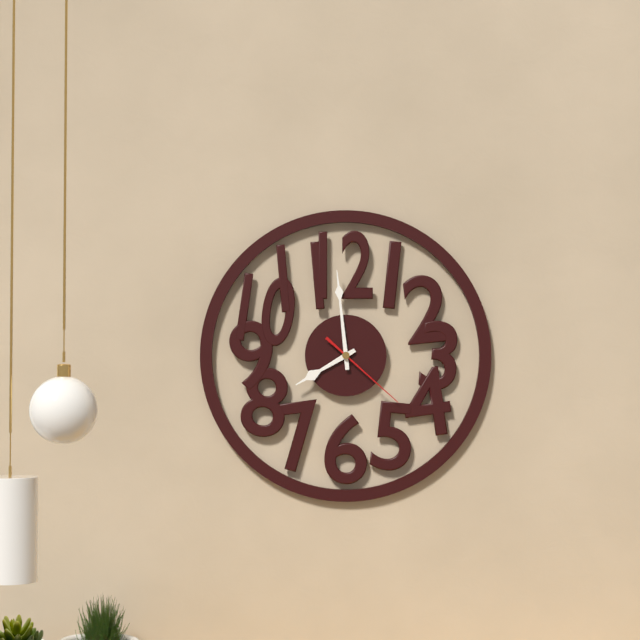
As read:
**7:59:22**
